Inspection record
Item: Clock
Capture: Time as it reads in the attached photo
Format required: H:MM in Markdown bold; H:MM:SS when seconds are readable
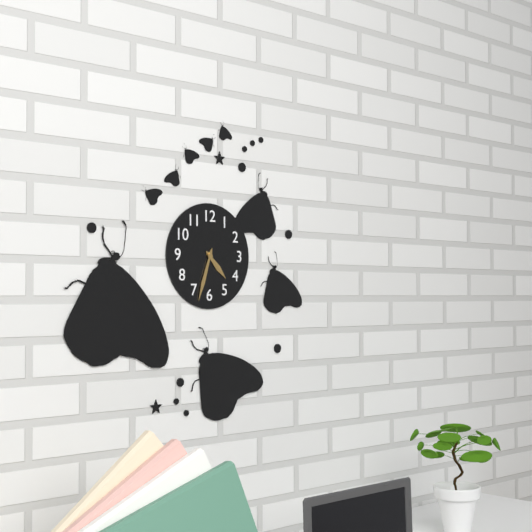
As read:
**4:33**
